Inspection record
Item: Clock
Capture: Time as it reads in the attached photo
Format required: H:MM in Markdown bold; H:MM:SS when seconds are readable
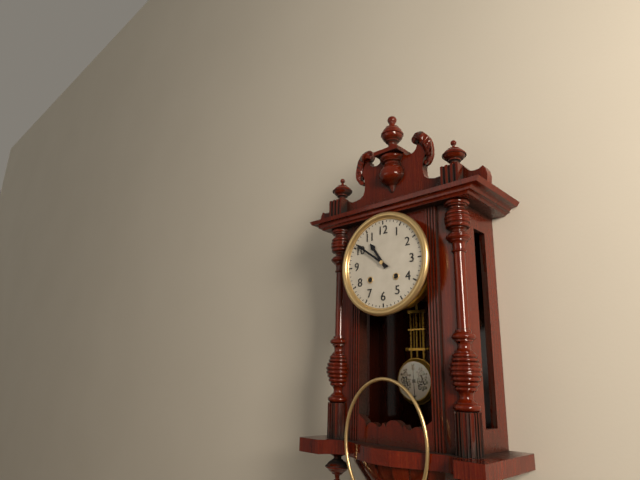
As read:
**10:51**
